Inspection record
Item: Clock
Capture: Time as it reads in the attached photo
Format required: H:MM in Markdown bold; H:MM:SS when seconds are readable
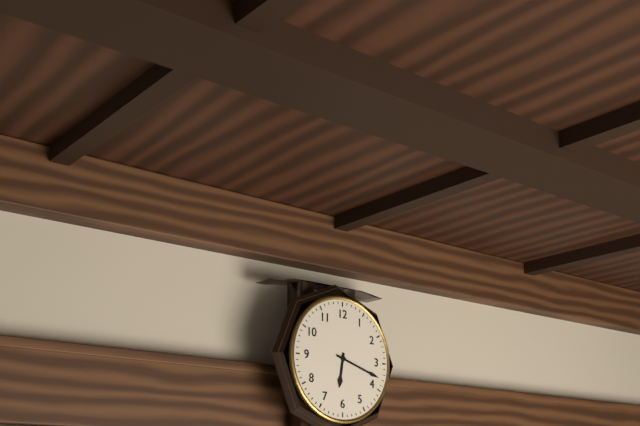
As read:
**6:18**
